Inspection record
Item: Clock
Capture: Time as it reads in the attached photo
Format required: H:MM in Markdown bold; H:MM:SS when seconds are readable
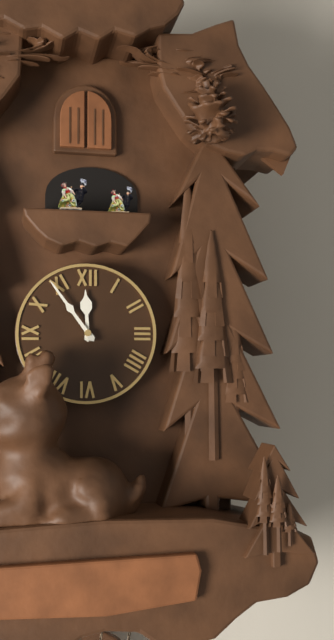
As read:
**11:54**
